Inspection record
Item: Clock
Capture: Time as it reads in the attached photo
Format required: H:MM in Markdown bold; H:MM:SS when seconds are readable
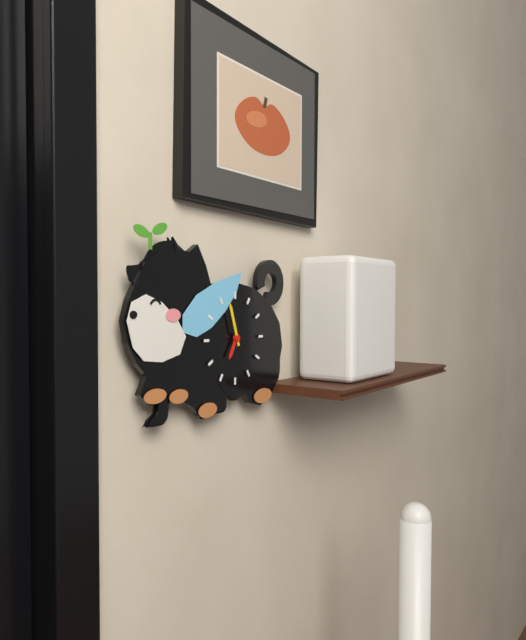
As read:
**6:57**
